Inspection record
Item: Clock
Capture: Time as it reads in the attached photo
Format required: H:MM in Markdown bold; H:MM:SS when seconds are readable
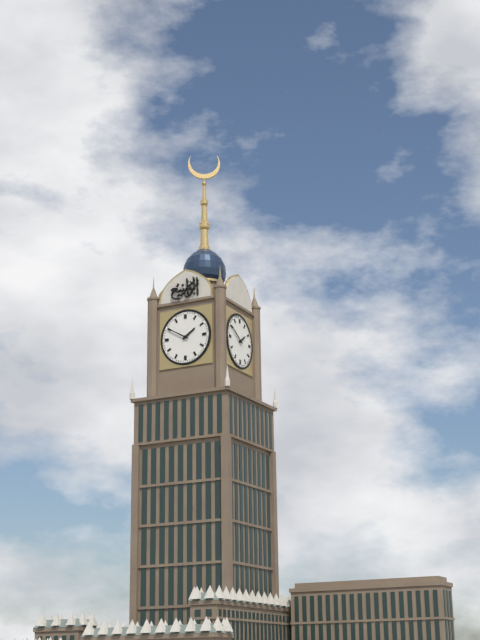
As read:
**1:50**
